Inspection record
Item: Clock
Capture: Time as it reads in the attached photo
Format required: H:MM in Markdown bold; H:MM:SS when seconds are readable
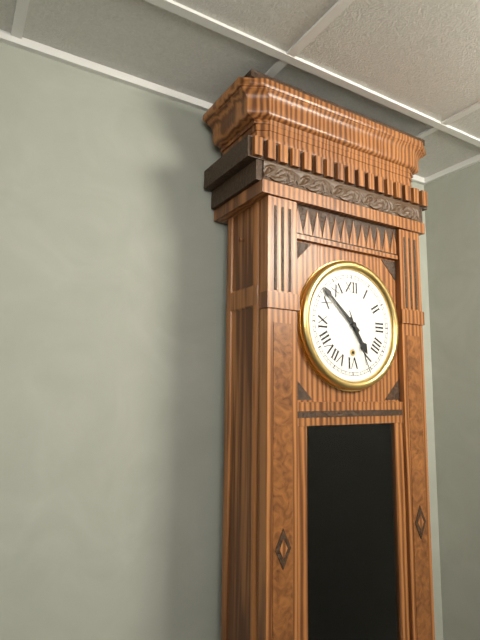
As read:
**4:52:26**
